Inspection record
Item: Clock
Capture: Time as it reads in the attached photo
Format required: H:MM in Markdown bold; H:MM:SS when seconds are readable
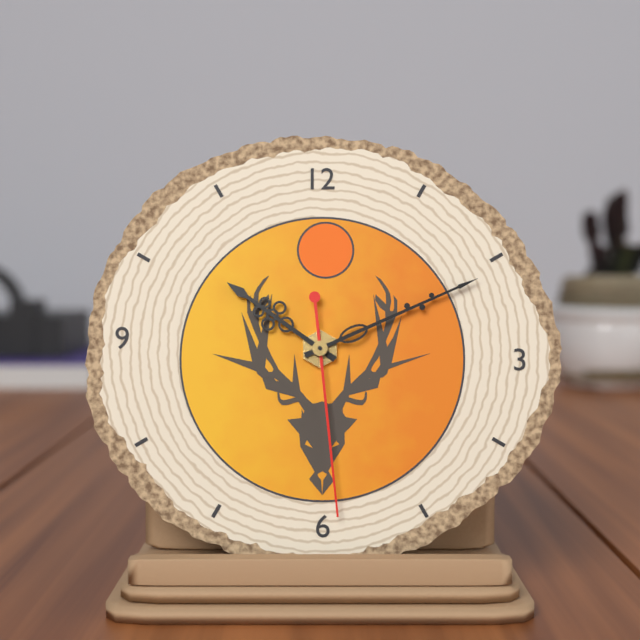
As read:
**10:11:29**
